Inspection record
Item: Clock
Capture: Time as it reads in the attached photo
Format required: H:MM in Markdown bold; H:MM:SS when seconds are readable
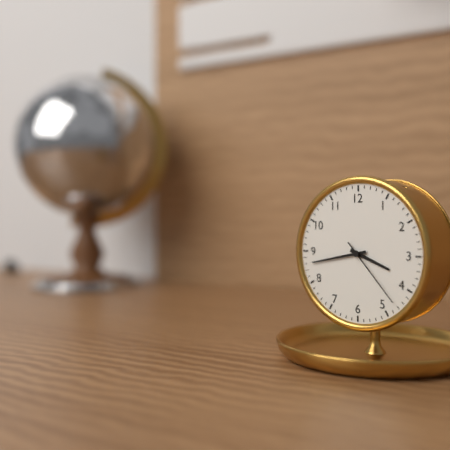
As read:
**3:43:23**
